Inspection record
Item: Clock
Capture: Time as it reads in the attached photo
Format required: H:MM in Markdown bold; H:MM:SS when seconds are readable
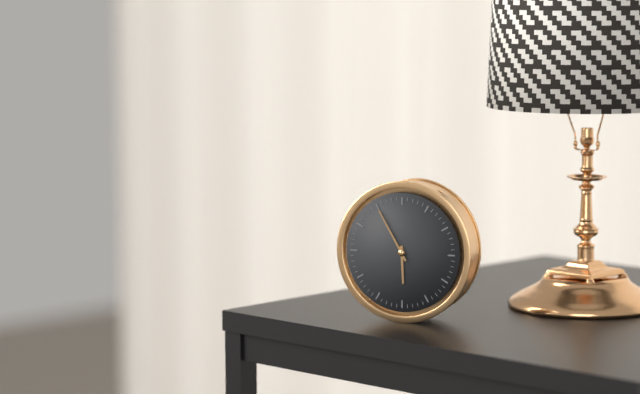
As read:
**5:55**
